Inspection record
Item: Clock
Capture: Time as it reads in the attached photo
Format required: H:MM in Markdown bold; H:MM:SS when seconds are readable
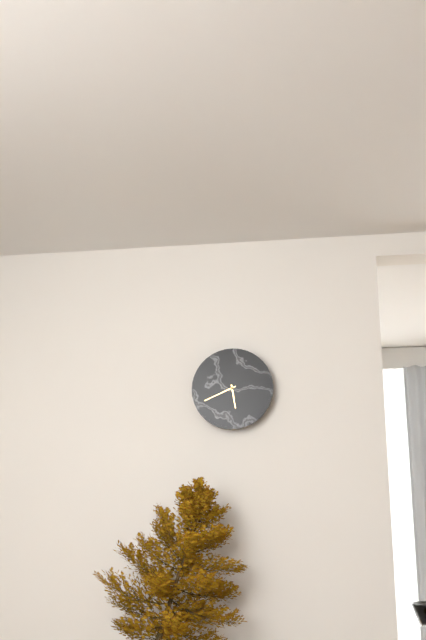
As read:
**5:41**
